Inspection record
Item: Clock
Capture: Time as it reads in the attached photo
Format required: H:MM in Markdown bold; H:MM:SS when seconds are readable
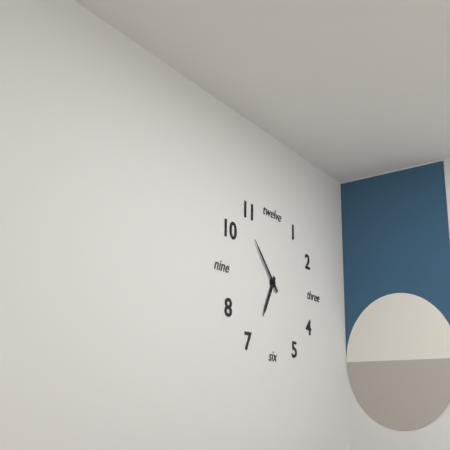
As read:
**6:53**
